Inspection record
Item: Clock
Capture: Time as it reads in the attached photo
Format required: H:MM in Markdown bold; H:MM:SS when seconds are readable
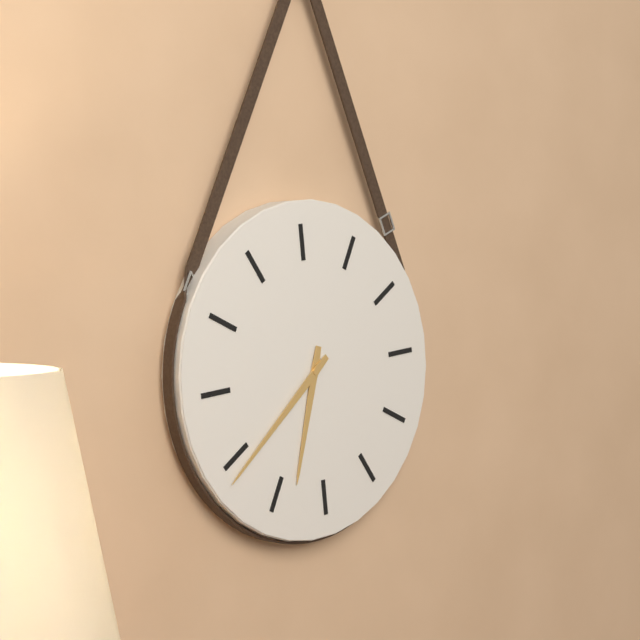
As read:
**6:39**
